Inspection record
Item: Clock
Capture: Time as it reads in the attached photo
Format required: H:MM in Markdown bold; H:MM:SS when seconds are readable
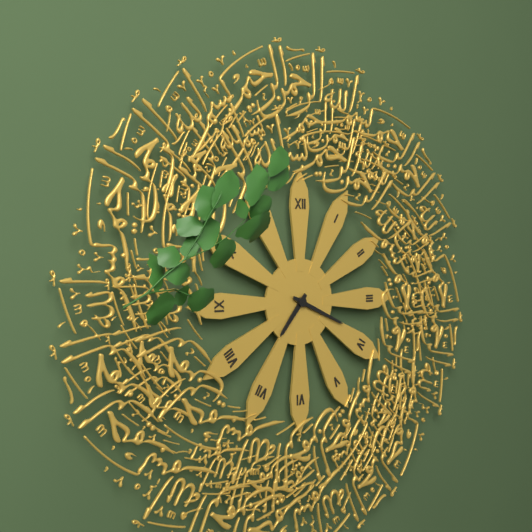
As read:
**7:19**
